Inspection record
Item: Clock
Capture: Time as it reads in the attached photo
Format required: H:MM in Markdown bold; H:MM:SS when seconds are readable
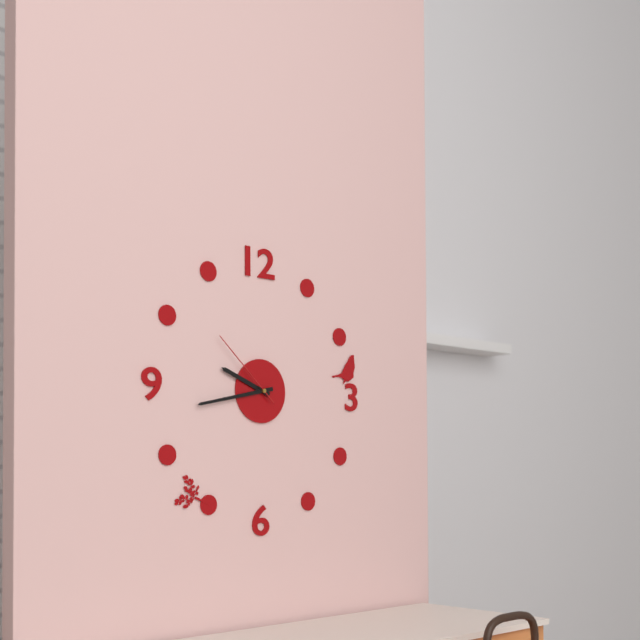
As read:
**9:43:52**
